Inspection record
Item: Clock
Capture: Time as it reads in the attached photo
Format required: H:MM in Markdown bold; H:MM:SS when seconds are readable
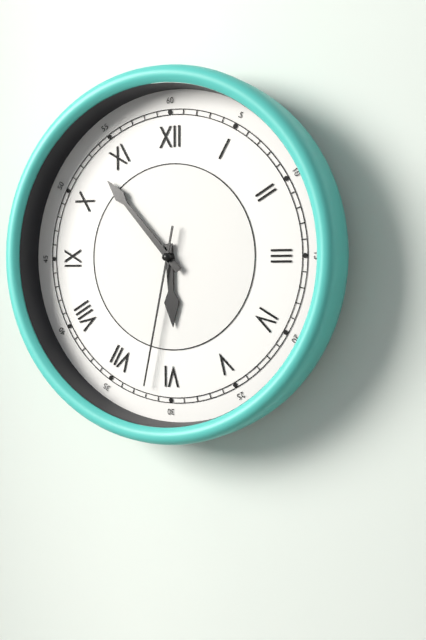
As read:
**5:53:32**
